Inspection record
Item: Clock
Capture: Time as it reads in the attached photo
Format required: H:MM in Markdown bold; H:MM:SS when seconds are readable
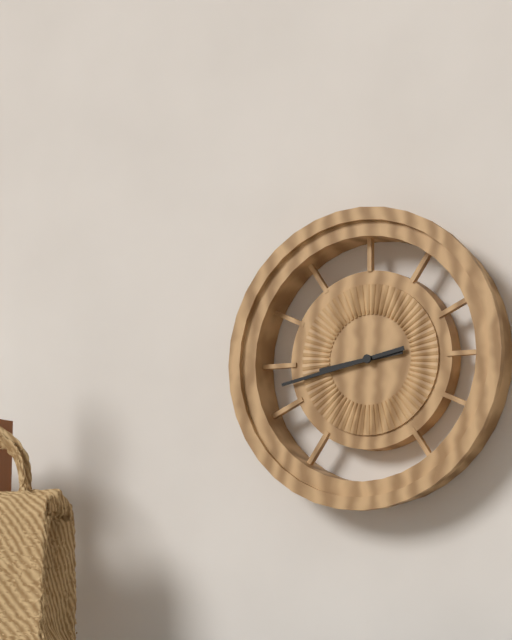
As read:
**8:43**
